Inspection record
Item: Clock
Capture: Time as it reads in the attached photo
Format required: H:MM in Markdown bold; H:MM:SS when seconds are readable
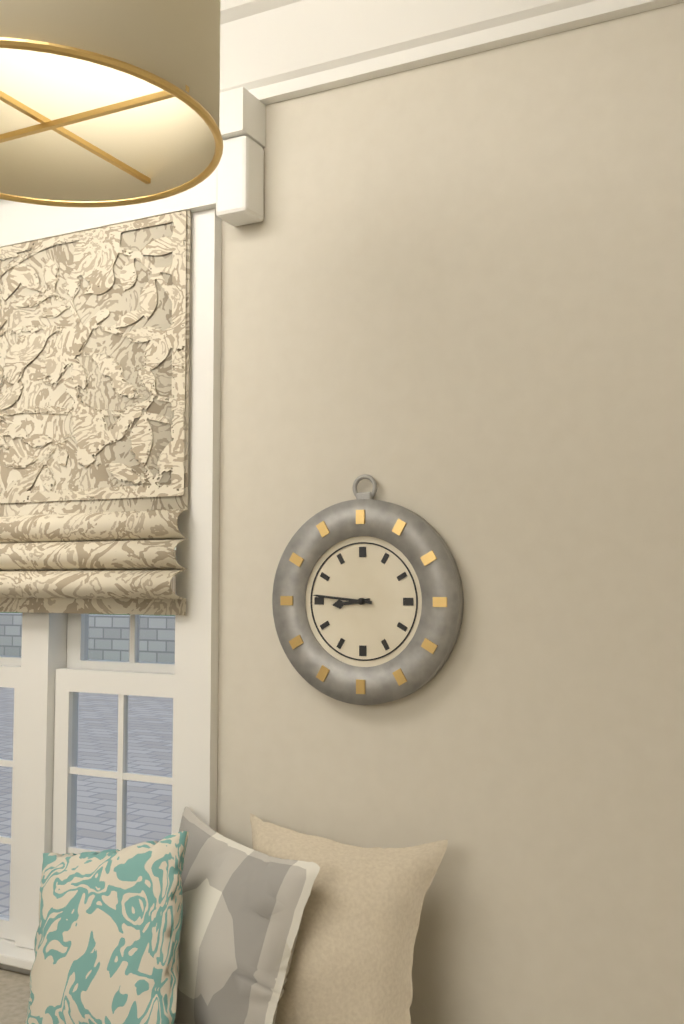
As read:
**8:46**
